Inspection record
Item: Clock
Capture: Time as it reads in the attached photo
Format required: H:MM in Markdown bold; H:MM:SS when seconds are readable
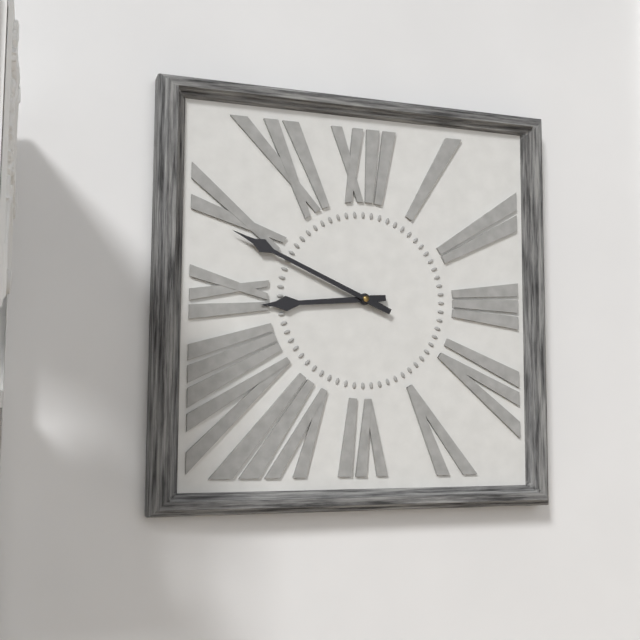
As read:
**8:49**
